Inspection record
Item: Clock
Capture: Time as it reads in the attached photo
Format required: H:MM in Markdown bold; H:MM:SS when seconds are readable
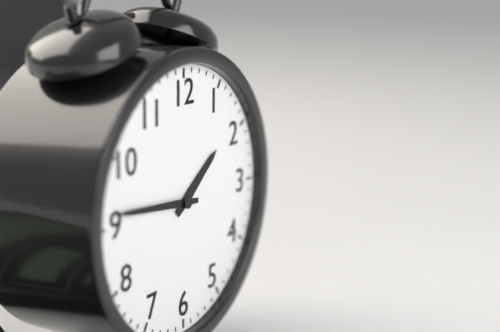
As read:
**1:46**
